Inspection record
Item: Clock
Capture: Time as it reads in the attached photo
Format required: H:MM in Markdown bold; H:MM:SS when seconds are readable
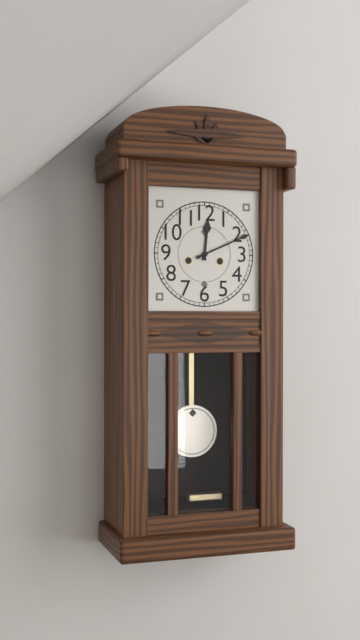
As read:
**12:11**
